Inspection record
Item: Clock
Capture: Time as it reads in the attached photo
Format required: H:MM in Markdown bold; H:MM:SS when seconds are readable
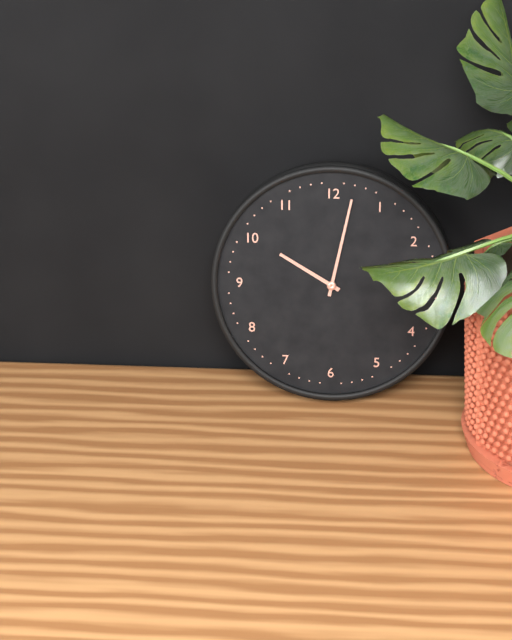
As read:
**10:02**
